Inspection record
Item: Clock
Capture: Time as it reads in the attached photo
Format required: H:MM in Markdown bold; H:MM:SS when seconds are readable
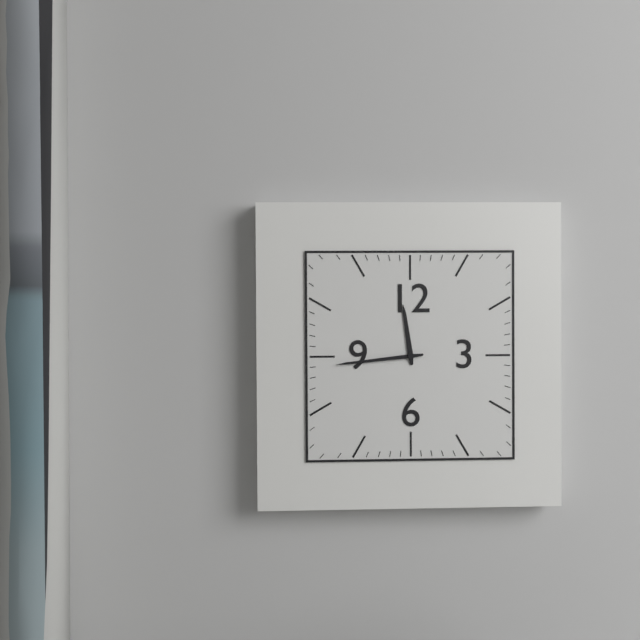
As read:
**11:44**
